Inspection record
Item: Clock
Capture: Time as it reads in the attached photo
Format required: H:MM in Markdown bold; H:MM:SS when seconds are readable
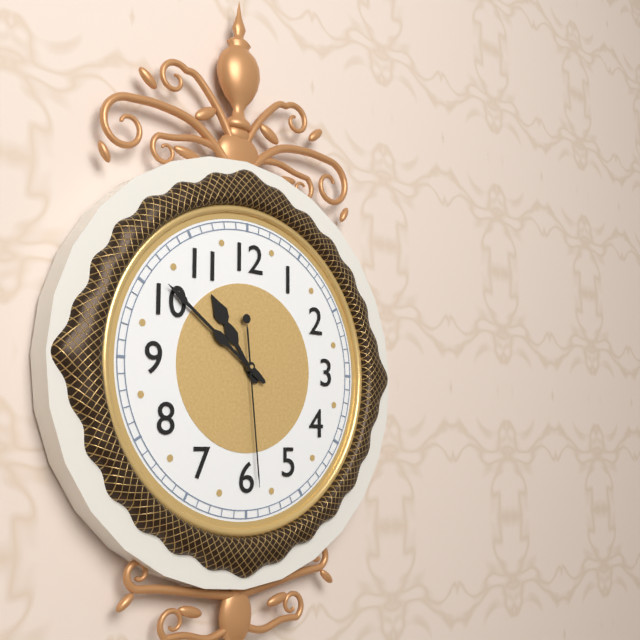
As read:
**10:51:29**
